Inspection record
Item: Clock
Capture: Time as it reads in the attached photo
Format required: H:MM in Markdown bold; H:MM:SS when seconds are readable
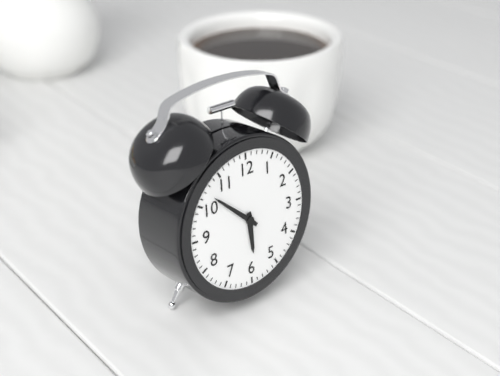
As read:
**5:52**
